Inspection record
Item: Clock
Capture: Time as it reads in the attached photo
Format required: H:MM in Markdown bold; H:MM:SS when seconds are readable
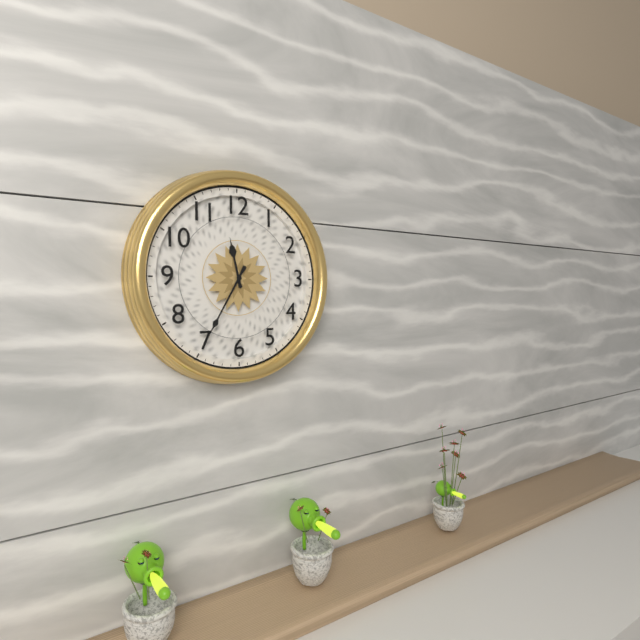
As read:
**11:35**
